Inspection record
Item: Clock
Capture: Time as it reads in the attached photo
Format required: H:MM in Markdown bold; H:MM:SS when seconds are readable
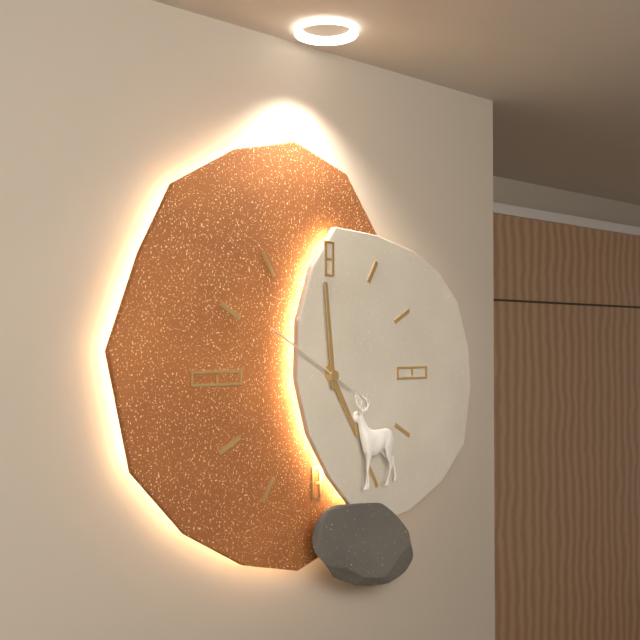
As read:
**4:59:50**
